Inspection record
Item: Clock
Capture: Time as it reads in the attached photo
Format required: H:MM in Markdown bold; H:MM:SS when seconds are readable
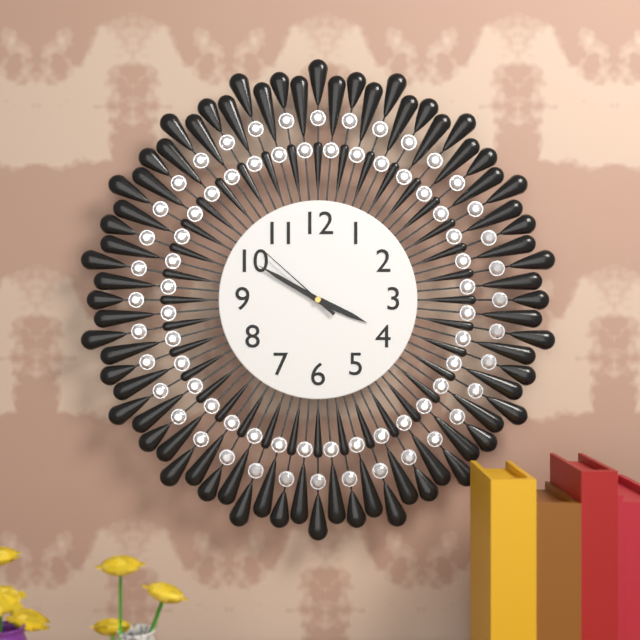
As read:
**3:50:52**
